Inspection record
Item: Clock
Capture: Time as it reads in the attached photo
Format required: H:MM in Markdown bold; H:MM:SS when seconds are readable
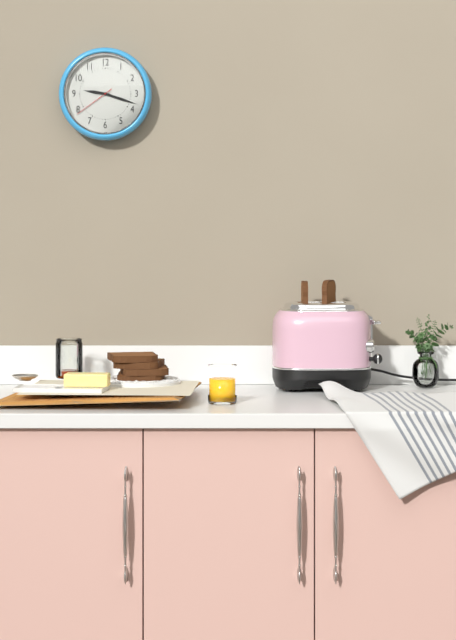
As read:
**9:18**
